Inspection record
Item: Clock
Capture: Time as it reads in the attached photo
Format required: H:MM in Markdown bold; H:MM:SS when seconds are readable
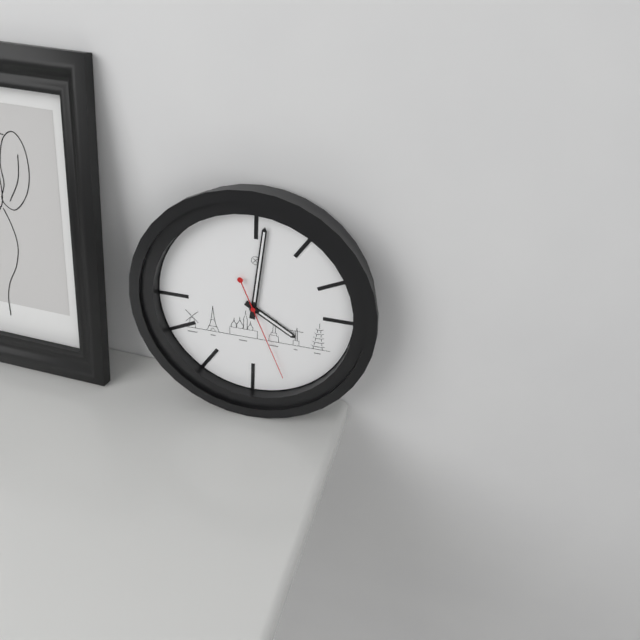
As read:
**4:01:26**
